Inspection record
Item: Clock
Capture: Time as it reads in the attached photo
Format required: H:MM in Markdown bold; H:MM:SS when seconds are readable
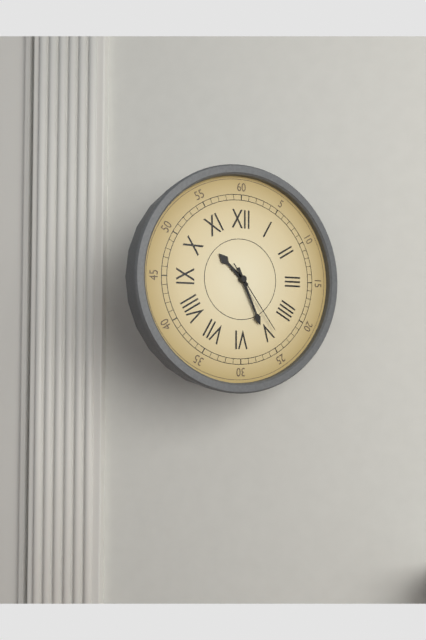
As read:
**10:26:24**
